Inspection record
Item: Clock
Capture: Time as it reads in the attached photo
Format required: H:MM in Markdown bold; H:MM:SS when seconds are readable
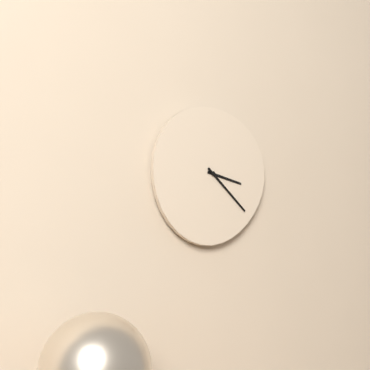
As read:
**3:22**
